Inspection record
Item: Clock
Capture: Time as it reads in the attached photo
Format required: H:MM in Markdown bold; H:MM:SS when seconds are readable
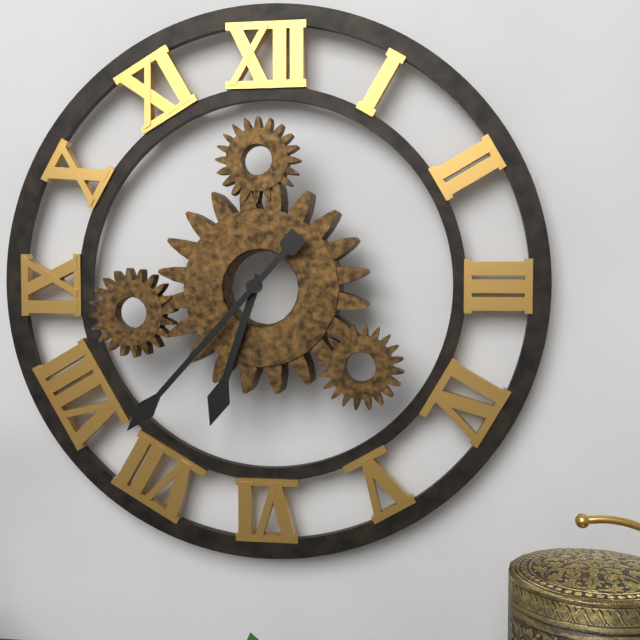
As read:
**6:37**
